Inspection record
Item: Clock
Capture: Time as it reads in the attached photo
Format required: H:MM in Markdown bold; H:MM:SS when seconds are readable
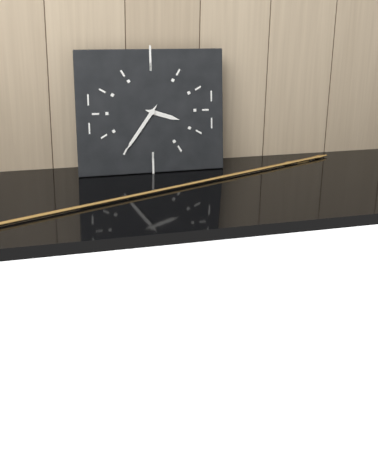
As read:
**3:36**
